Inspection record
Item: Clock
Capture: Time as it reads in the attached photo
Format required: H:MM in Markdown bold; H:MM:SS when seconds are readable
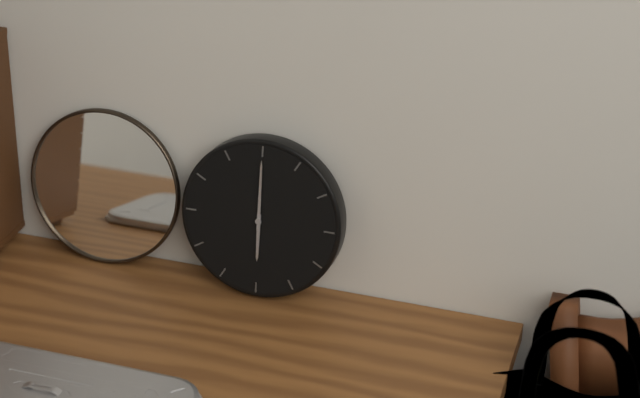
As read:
**6:00**
